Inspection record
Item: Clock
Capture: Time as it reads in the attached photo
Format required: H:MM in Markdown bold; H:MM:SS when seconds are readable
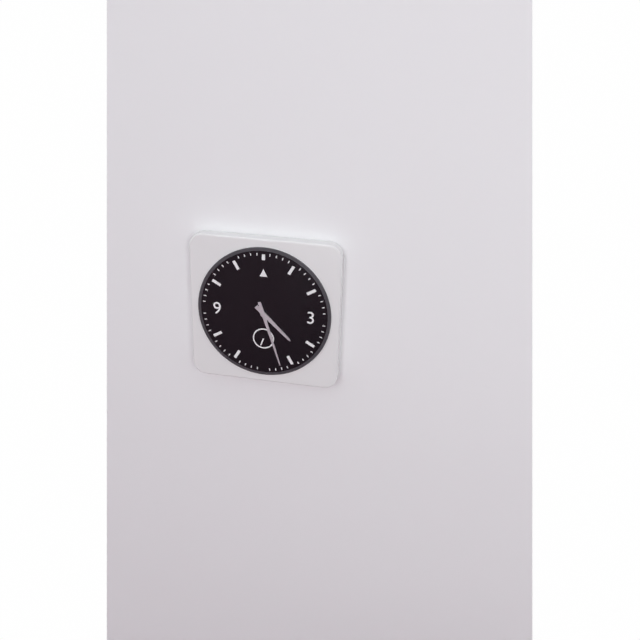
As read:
**4:27**
